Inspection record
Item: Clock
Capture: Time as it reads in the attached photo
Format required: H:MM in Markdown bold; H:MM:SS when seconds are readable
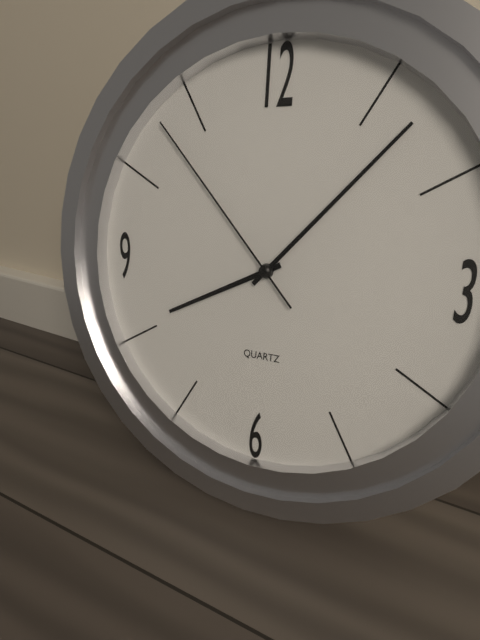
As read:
**8:07:53**
